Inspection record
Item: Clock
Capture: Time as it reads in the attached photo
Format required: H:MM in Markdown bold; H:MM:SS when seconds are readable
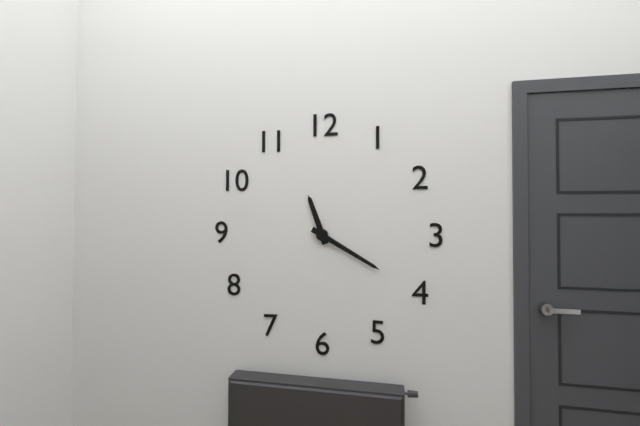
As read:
**11:20**
